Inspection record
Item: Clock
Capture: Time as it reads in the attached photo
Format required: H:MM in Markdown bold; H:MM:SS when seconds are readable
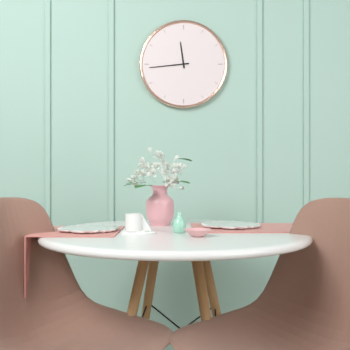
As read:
**11:44**
